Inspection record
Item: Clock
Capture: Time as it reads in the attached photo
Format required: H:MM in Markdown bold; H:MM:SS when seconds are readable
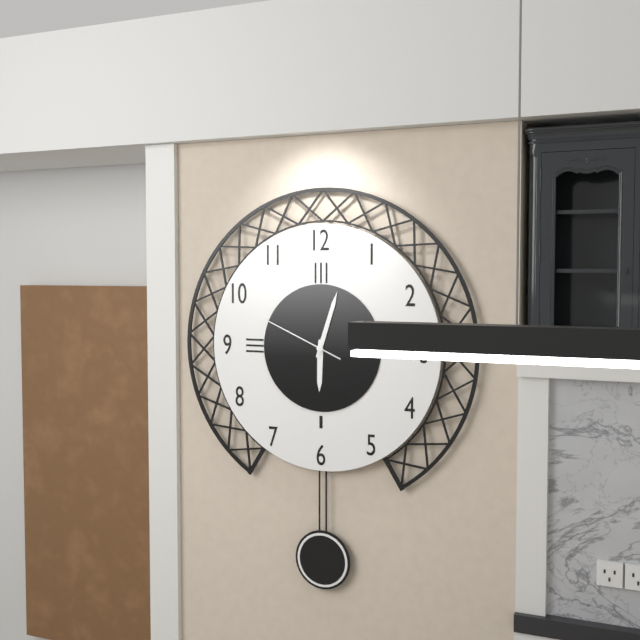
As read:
**6:03:49**
